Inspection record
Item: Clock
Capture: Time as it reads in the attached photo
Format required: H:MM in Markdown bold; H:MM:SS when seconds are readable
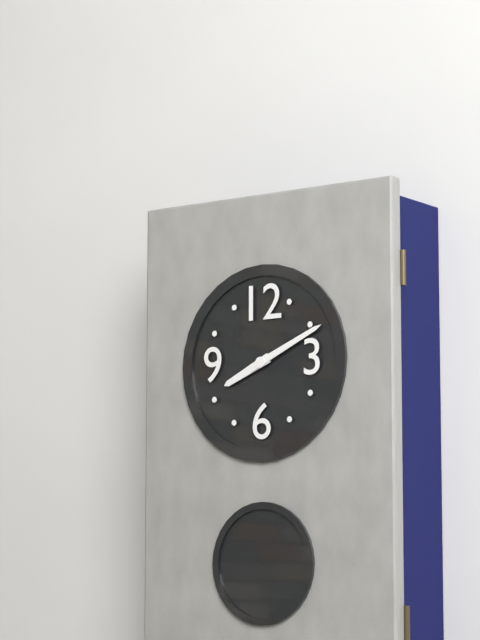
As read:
**8:11**
